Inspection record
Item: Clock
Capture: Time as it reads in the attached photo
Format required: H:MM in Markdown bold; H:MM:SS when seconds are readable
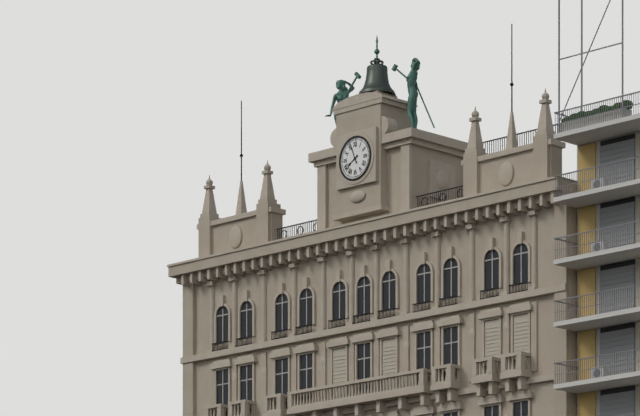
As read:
**7:56**
